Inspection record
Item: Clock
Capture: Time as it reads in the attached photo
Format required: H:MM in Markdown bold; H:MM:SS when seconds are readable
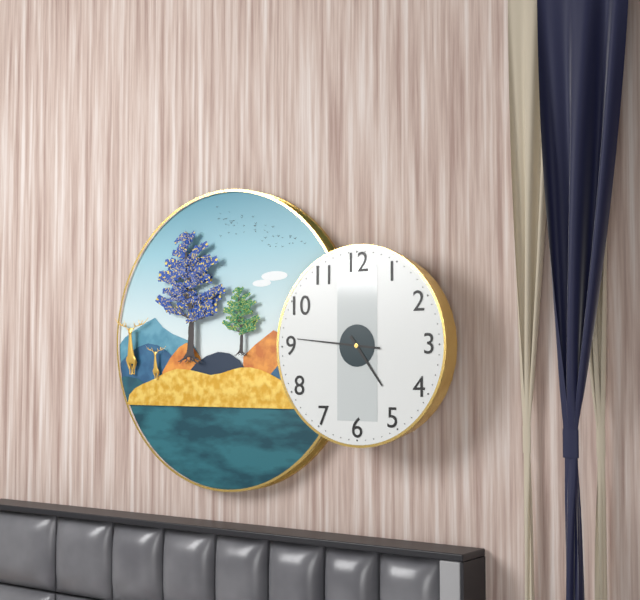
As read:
**4:46**
